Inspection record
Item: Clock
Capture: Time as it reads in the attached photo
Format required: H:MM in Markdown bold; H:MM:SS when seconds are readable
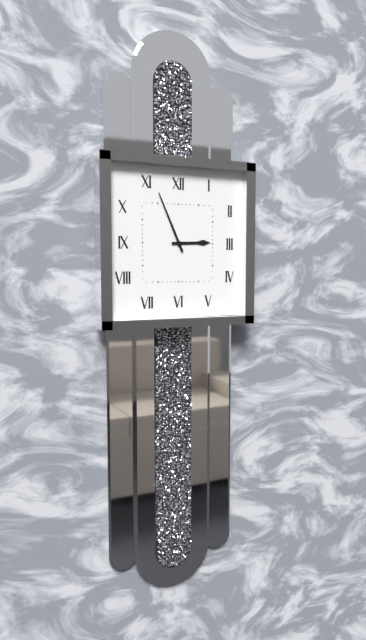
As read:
**2:56**
